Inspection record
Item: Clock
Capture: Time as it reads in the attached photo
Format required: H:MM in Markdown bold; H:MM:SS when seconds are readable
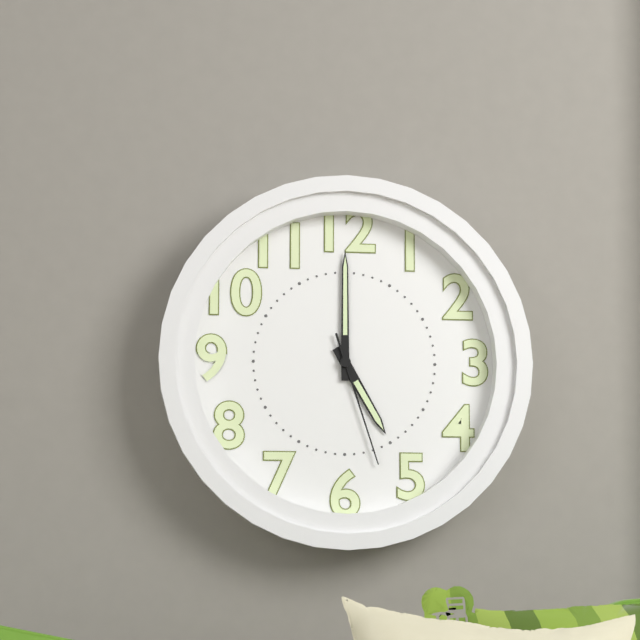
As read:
**5:00:27**
